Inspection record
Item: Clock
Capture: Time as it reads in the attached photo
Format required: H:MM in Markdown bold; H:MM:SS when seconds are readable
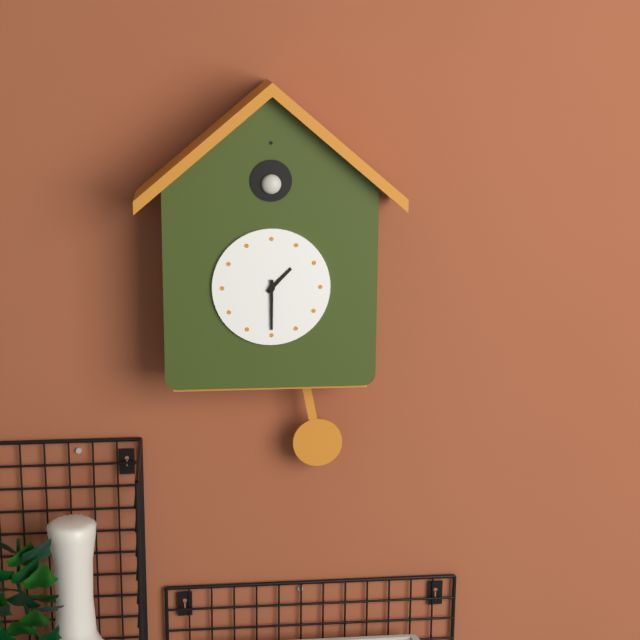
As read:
**1:30**
